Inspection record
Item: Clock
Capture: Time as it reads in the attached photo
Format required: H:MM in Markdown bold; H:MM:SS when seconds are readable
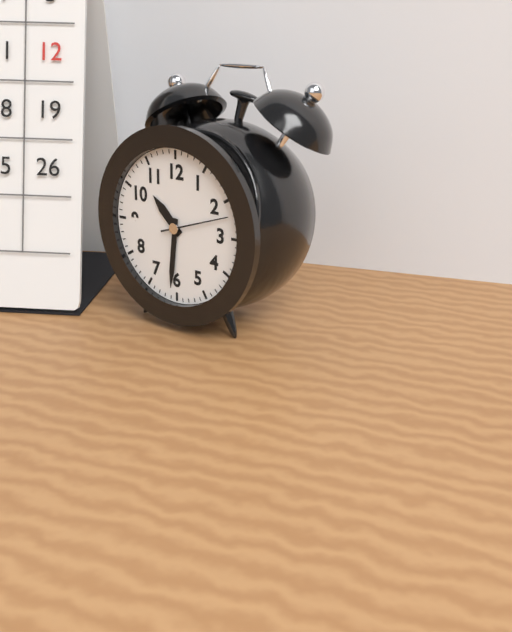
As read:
**10:31:12**
